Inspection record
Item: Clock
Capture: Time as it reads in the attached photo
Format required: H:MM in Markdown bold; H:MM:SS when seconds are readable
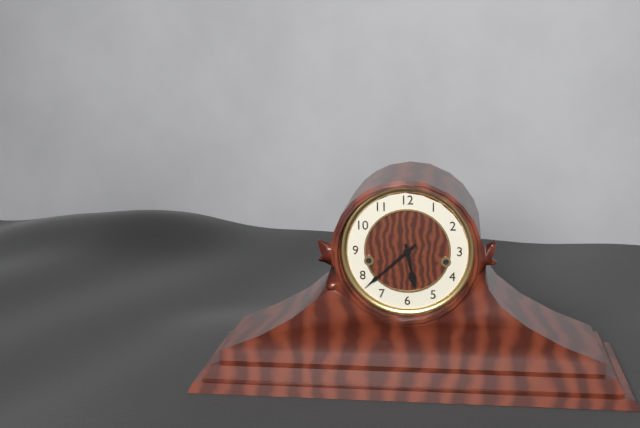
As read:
**5:38**
